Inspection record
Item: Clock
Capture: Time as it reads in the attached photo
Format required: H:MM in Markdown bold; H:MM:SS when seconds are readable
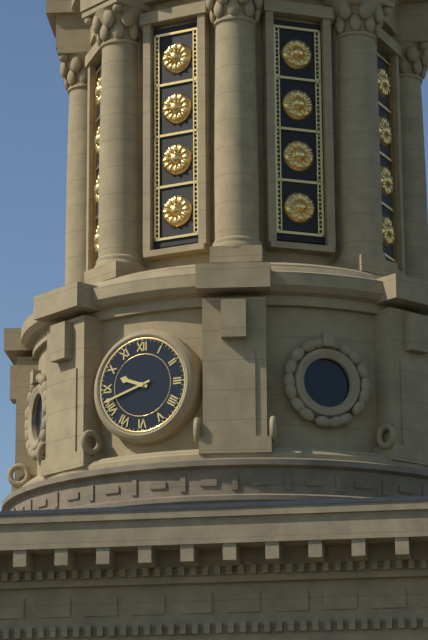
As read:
**9:42**
